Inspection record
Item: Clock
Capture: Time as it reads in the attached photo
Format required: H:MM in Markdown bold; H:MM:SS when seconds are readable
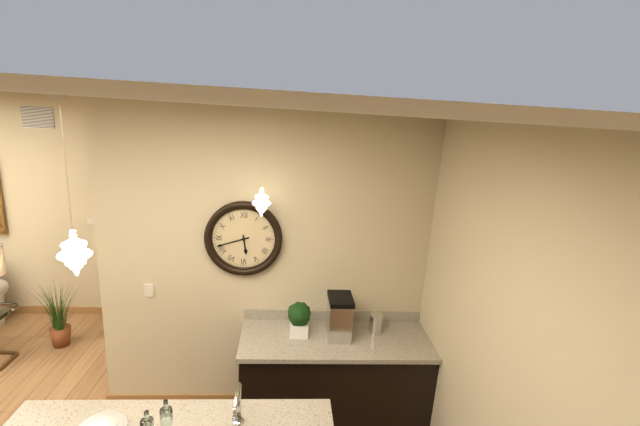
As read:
**5:42**
